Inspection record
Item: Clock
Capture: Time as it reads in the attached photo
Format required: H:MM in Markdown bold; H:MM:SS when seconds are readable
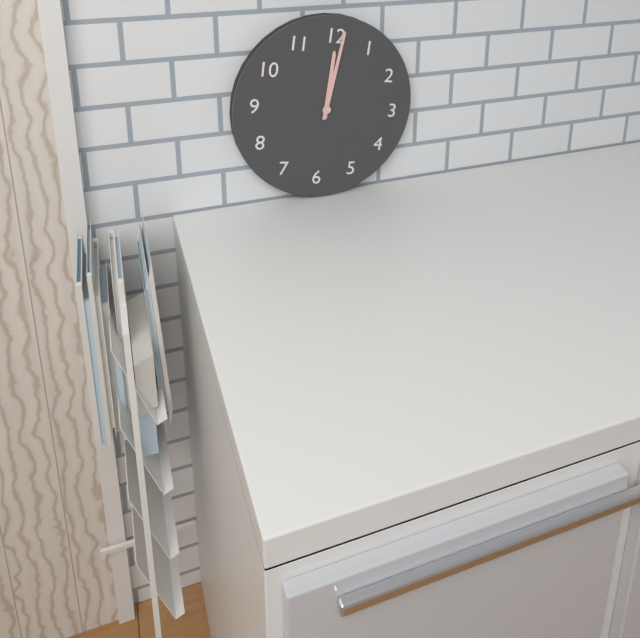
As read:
**12:01**
